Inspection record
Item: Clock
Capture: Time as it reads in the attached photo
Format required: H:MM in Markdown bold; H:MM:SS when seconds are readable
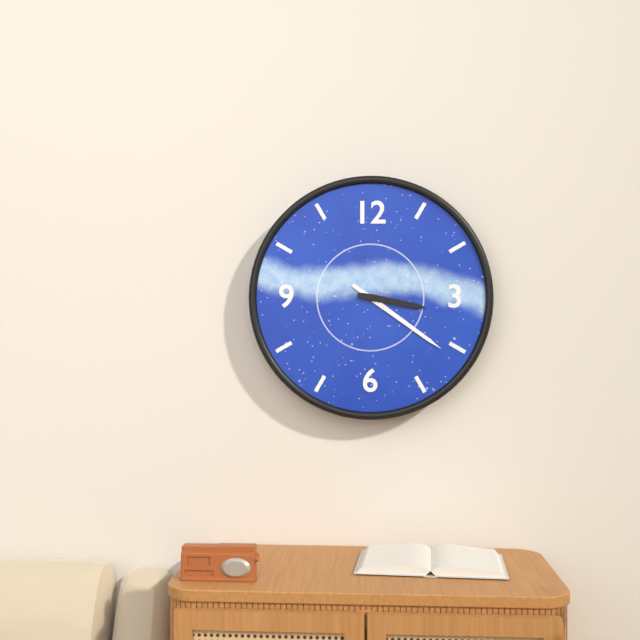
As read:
**3:21**
